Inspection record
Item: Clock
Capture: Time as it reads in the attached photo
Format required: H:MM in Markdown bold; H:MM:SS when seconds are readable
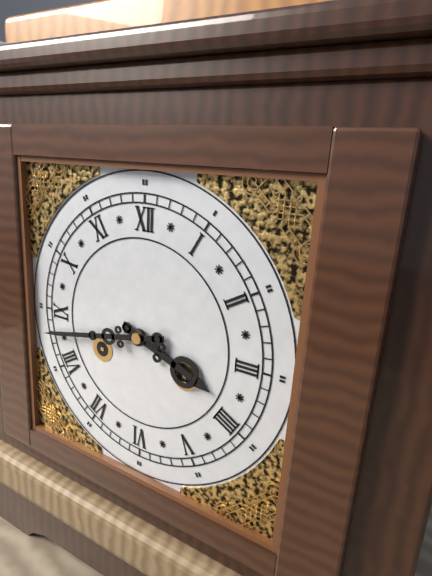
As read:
**3:43**
